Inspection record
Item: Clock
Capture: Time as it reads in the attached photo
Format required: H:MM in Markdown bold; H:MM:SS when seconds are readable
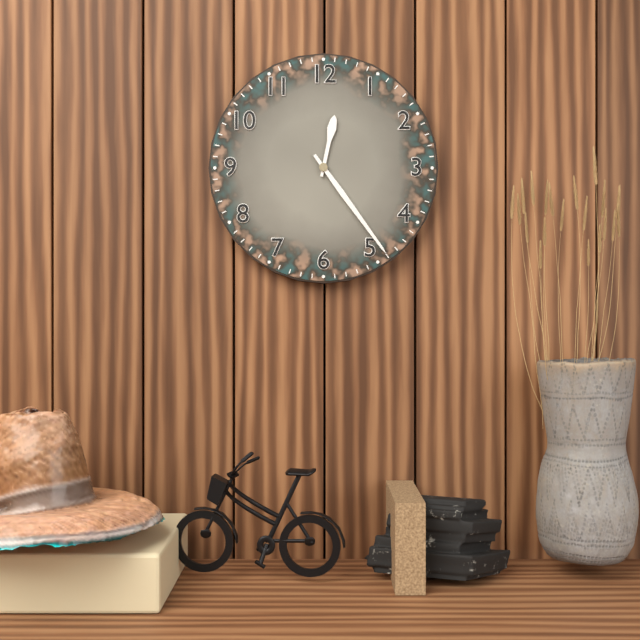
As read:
**12:24**
